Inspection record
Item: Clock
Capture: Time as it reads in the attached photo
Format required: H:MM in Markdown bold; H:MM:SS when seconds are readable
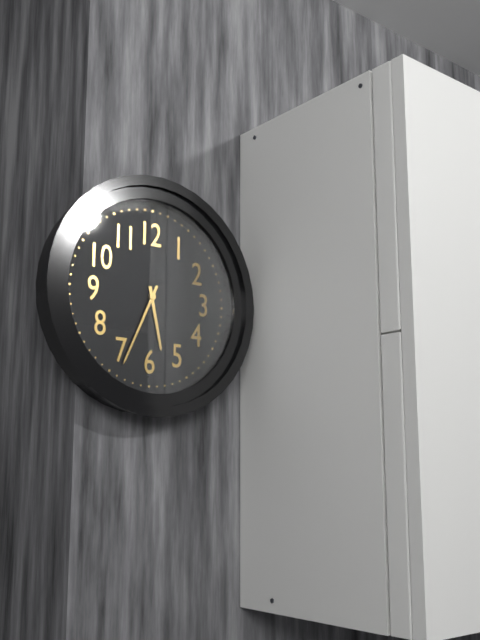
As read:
**5:34**
